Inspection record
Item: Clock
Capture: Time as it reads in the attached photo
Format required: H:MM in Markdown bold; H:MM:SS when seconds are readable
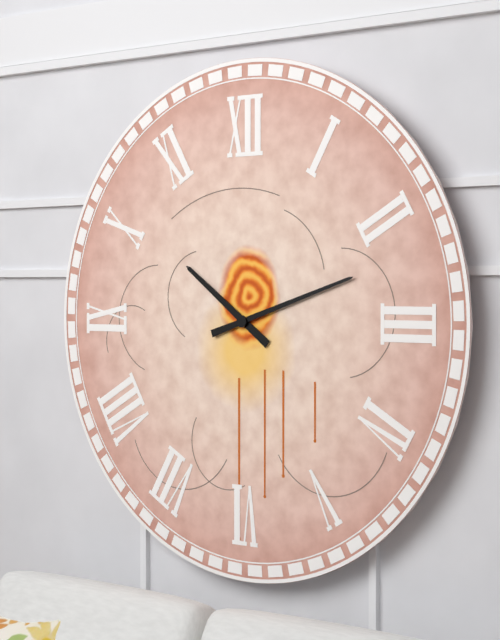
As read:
**10:12**
